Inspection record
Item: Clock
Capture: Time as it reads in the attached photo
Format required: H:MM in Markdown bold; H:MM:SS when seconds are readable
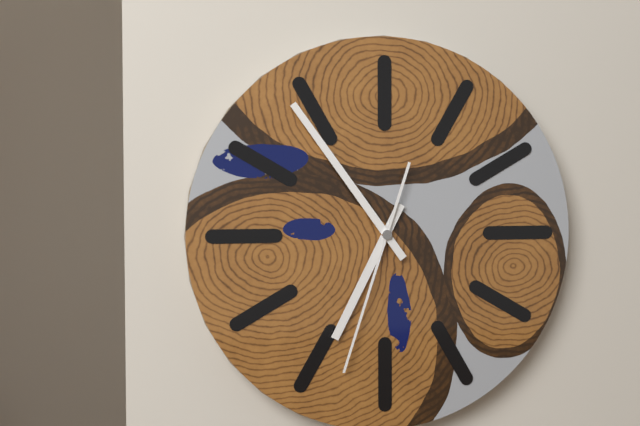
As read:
**6:54:33**
